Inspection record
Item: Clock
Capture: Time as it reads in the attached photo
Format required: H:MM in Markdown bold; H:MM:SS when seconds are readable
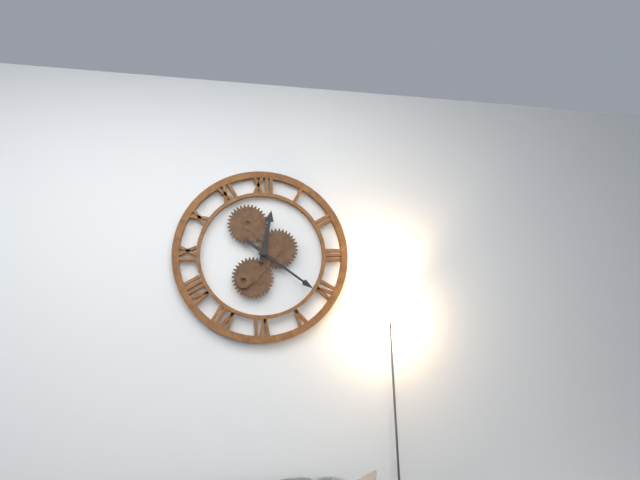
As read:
**12:21**
